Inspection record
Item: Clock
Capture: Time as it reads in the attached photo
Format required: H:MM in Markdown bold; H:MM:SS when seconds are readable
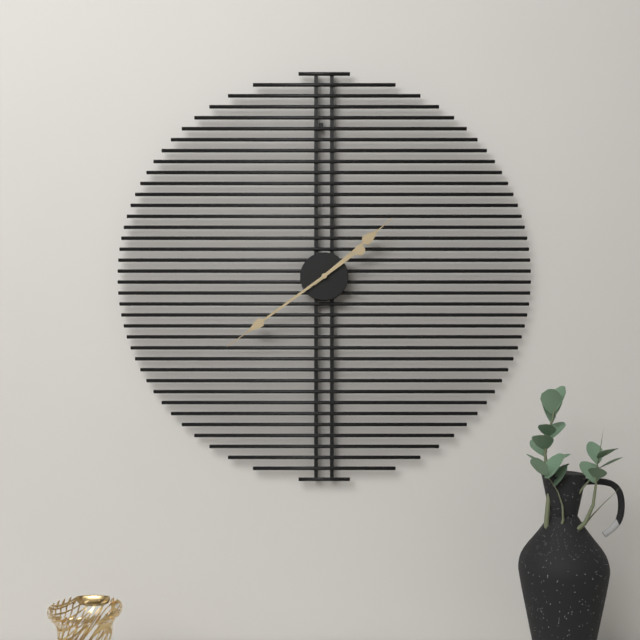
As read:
**1:39**
